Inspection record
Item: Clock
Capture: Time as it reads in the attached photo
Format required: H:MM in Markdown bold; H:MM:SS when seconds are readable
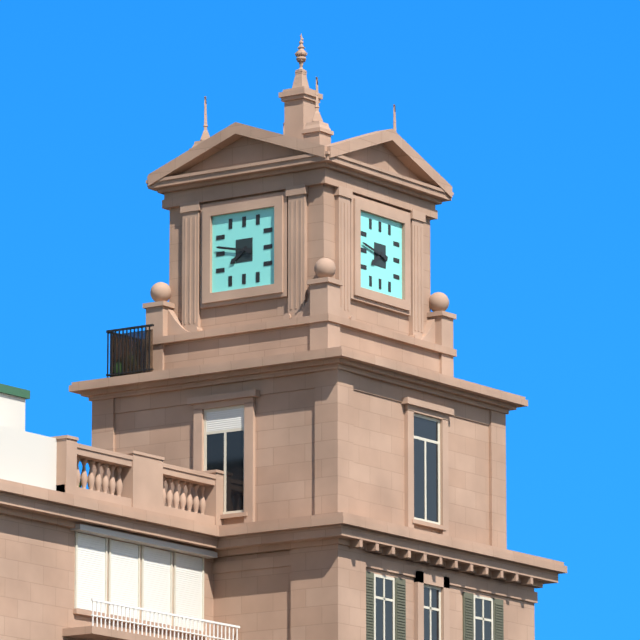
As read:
**7:47**
